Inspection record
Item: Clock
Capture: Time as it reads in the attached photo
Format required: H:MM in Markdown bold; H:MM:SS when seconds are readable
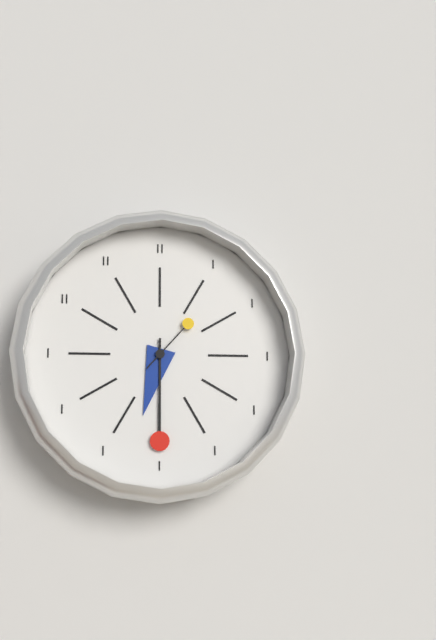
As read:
**6:30:07**
